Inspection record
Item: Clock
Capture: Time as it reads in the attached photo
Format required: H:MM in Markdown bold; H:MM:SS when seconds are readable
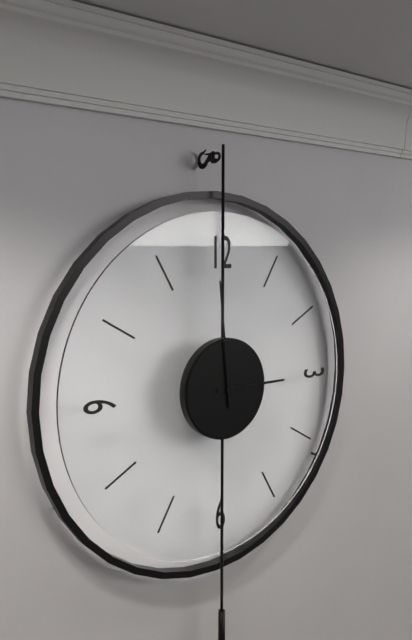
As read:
**2:59**
